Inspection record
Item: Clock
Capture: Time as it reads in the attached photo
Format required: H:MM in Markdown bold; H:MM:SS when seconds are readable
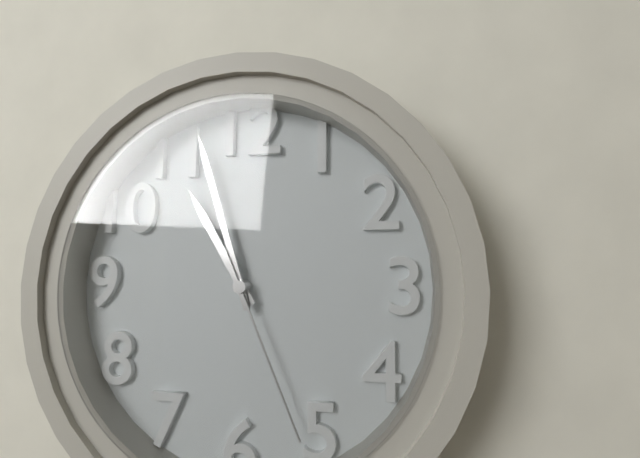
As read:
**10:57:26**
